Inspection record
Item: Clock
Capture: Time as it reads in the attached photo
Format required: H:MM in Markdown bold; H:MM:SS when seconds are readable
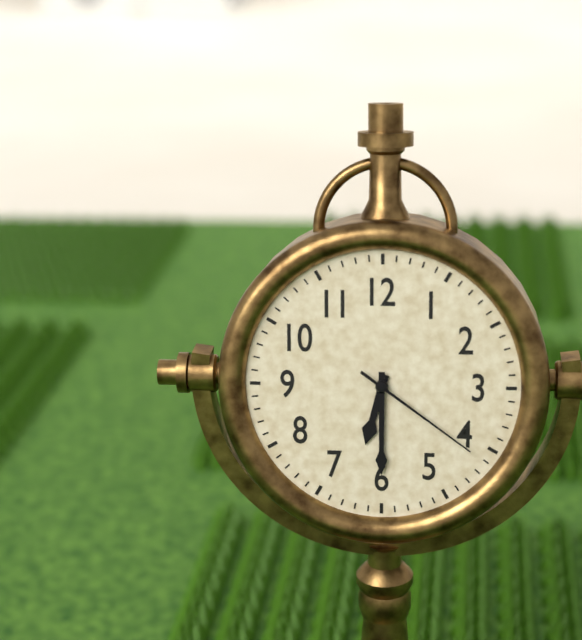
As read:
**6:30:21**
